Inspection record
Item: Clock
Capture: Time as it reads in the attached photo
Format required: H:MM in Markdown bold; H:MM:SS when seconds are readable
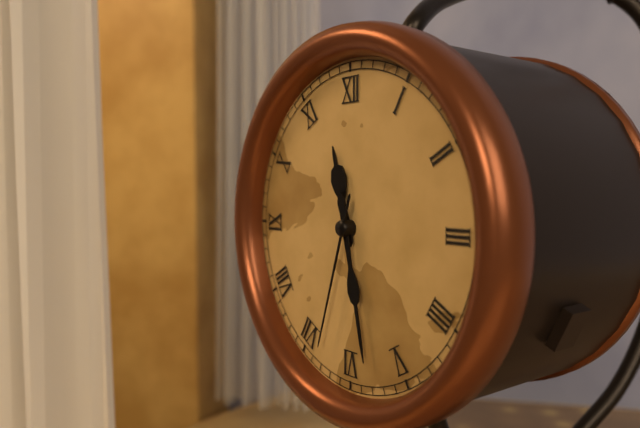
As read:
**11:28:33**
